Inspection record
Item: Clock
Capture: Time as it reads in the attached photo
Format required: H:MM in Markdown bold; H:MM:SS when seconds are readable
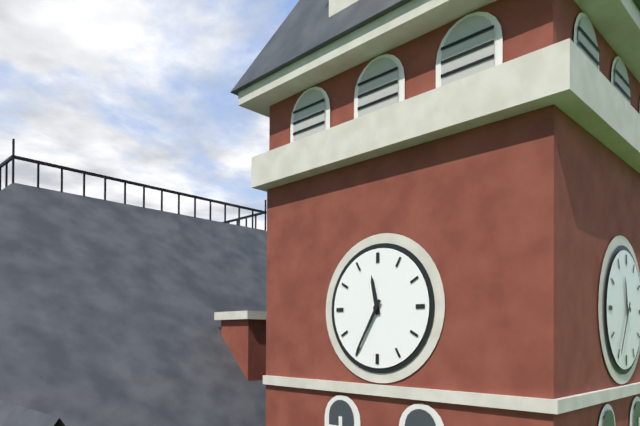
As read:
**11:35**
